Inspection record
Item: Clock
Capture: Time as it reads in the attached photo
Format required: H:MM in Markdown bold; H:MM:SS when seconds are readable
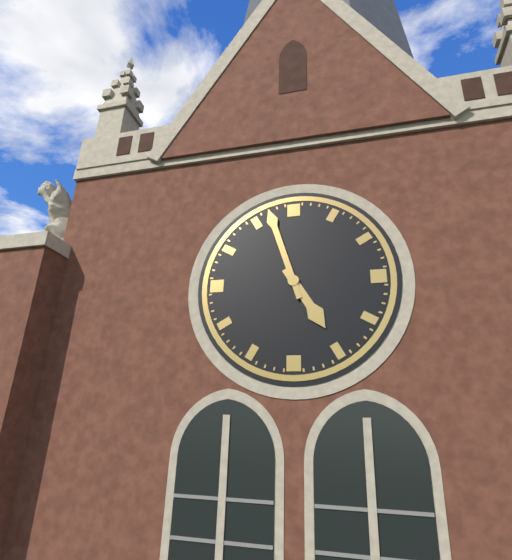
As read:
**4:57**
